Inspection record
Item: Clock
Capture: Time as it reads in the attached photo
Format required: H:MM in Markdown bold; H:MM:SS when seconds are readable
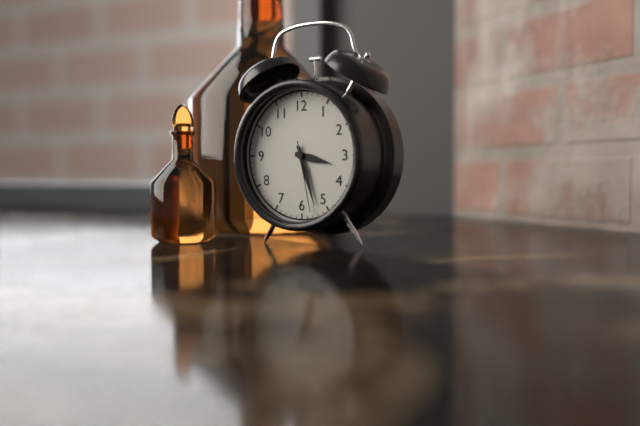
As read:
**3:27:28**
